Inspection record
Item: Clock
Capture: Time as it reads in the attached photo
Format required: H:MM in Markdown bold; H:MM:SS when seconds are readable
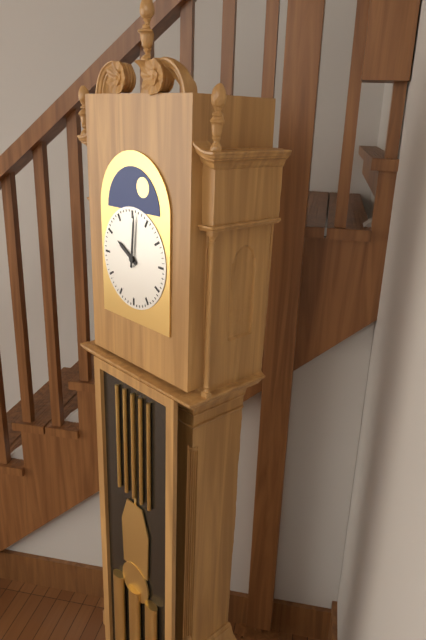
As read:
**10:01**
